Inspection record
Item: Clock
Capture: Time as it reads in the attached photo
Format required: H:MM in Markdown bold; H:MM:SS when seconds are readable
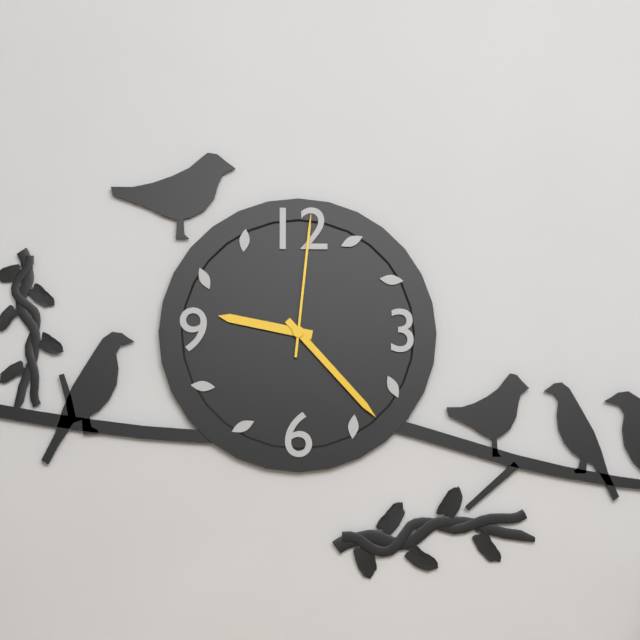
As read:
**9:23:01**
